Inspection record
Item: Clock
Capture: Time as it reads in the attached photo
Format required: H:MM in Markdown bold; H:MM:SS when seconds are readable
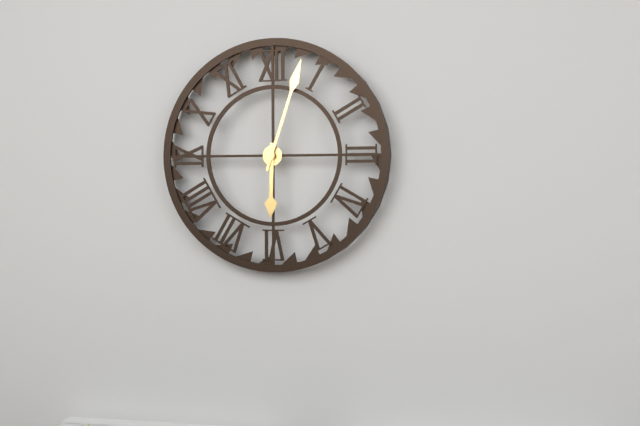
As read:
**6:03**
